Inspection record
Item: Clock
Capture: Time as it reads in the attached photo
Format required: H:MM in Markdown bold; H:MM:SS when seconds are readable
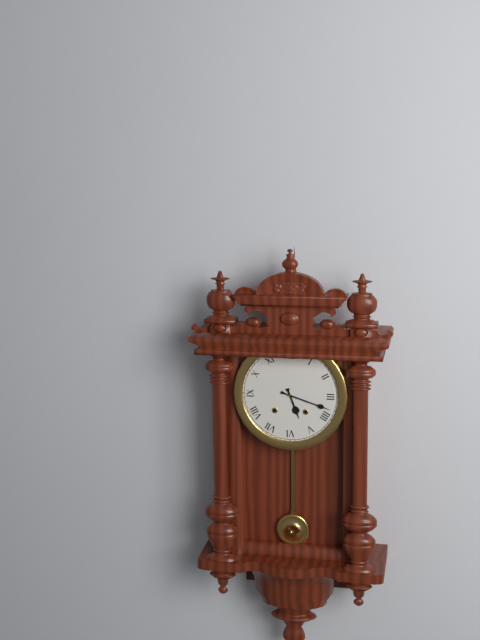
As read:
**5:18**
